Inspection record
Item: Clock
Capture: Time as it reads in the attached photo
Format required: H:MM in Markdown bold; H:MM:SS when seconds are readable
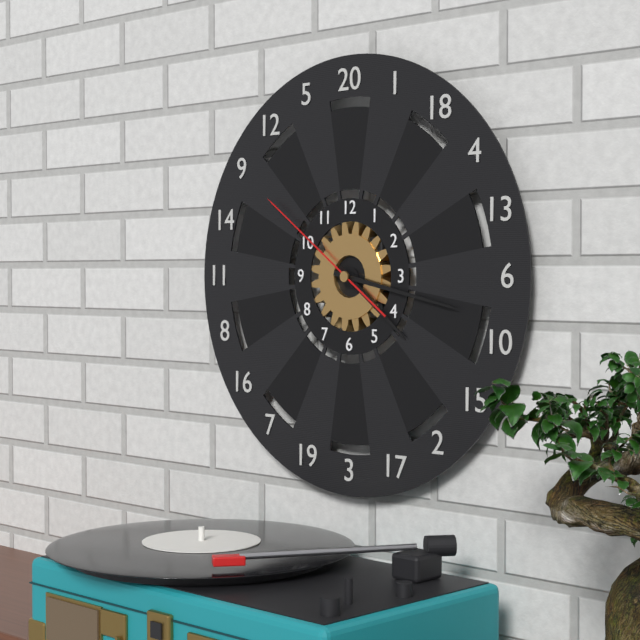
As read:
**4:17:51**
